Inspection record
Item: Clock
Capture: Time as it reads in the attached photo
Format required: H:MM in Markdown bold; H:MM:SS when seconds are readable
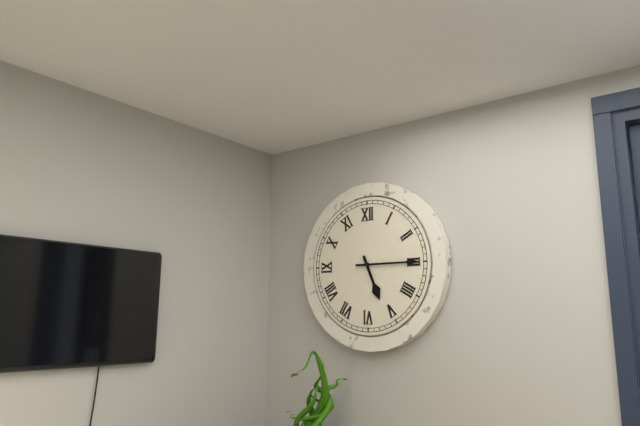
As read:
**5:15**
